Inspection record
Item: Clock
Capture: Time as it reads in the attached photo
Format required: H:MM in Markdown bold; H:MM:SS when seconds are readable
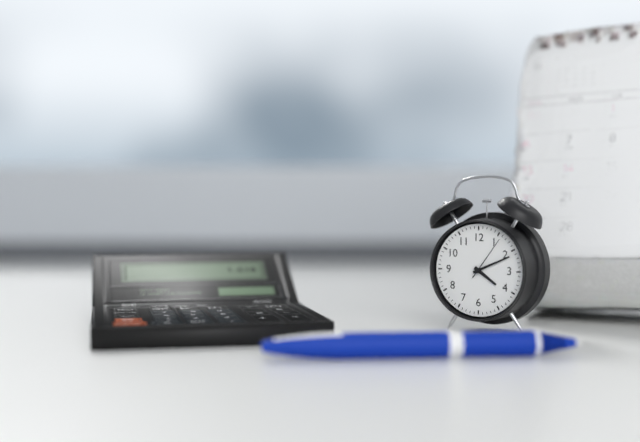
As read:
**4:11**
